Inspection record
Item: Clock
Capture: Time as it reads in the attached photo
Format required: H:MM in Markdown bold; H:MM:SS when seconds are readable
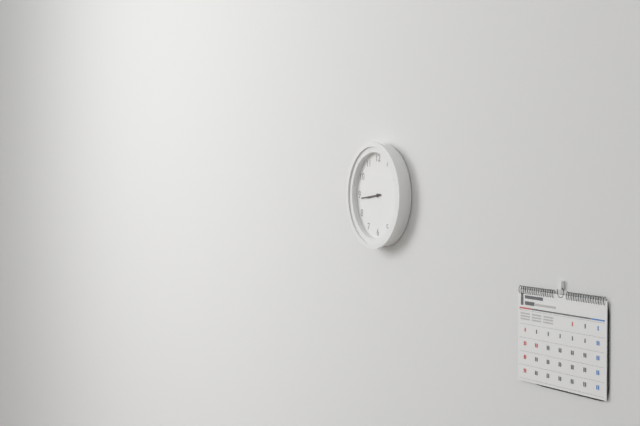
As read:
**8:44**
